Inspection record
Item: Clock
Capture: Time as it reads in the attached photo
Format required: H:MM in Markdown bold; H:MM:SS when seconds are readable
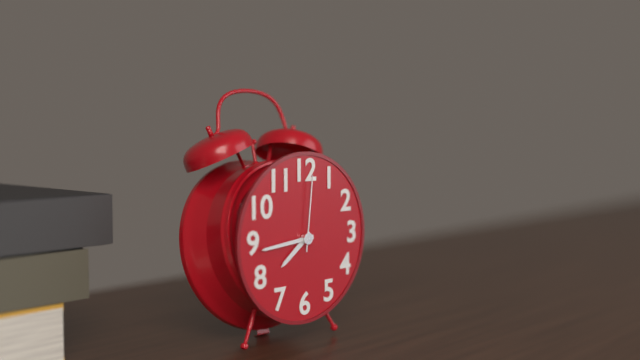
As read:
**7:44:01**
